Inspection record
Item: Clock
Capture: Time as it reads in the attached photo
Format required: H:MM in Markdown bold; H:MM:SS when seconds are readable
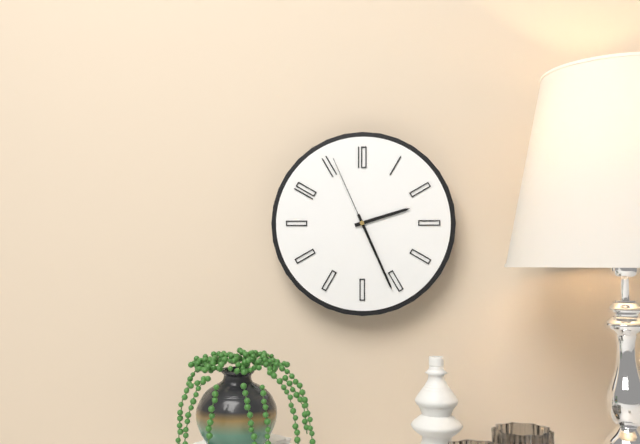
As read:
**2:26:56**
